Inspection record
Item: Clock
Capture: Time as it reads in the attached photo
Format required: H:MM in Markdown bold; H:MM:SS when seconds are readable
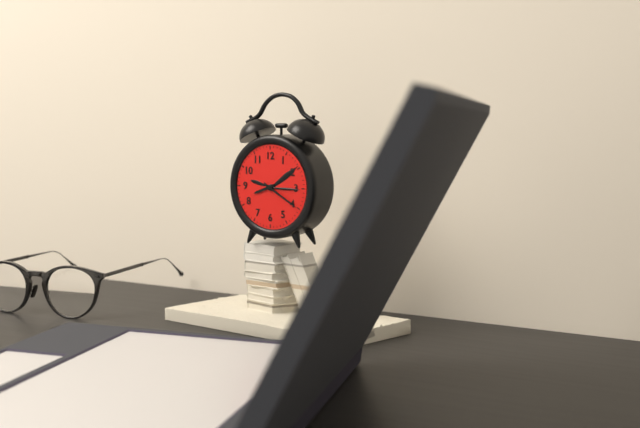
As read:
**8:20**
